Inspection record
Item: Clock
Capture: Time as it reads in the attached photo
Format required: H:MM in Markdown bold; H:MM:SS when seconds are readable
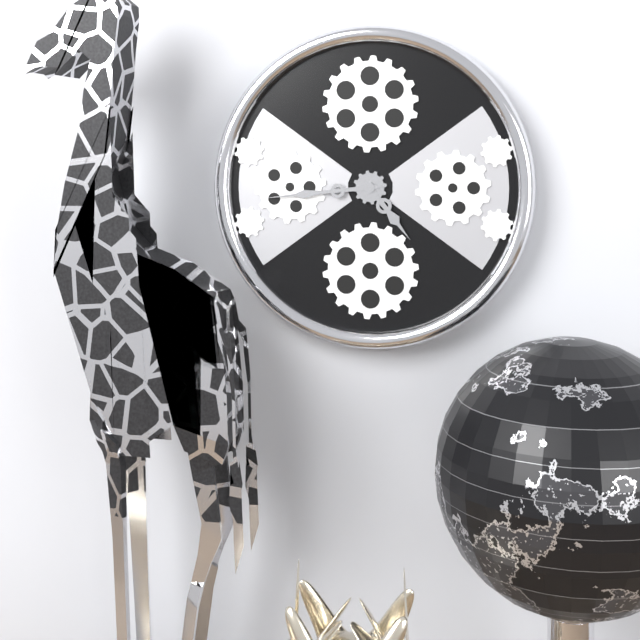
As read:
**4:44**
